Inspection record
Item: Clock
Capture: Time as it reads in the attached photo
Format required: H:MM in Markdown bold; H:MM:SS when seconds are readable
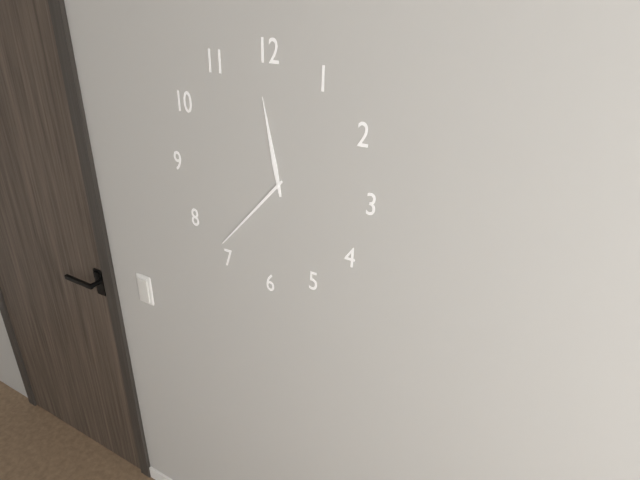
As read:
**11:37**
